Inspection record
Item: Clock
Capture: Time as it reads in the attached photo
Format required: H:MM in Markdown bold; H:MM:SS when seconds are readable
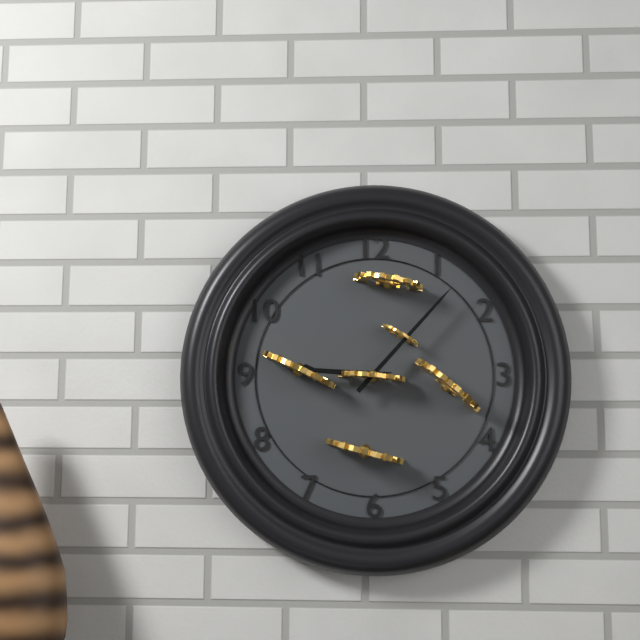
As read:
**9:07**
